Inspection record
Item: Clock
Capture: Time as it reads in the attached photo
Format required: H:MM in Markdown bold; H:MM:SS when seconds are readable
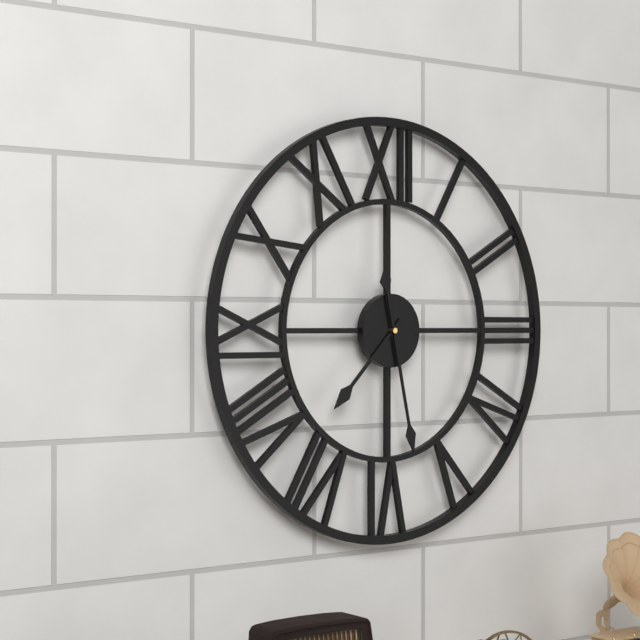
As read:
**7:28**
